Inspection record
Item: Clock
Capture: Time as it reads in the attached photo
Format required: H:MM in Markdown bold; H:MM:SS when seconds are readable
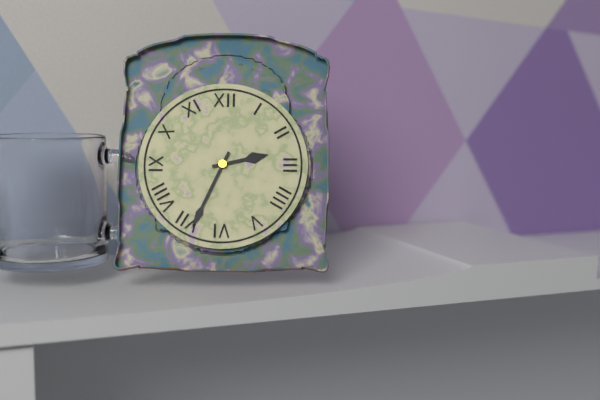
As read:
**2:34**
